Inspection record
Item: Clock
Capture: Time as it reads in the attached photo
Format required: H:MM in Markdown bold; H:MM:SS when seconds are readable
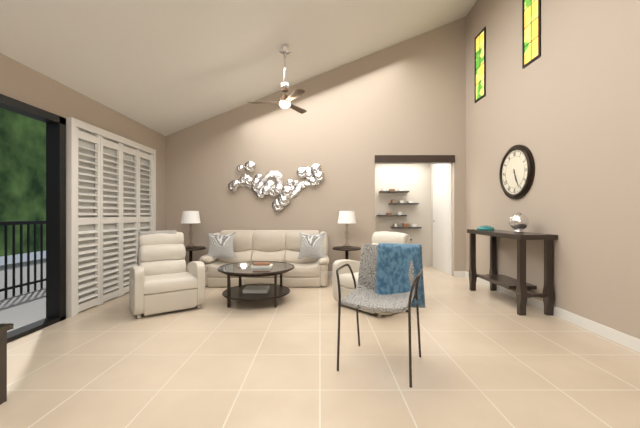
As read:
**5:26**
